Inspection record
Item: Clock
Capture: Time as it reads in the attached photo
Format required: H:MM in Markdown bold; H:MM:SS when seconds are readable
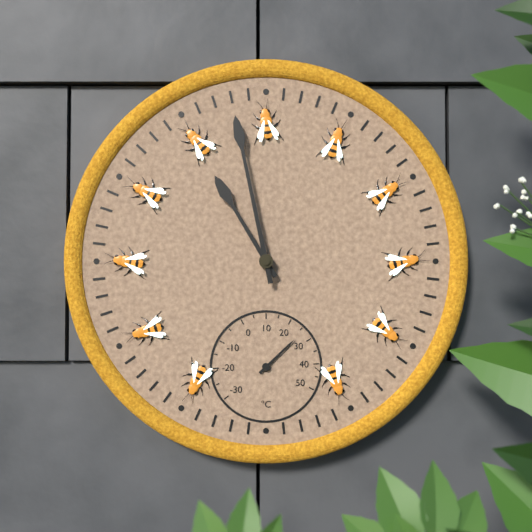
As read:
**10:58**
